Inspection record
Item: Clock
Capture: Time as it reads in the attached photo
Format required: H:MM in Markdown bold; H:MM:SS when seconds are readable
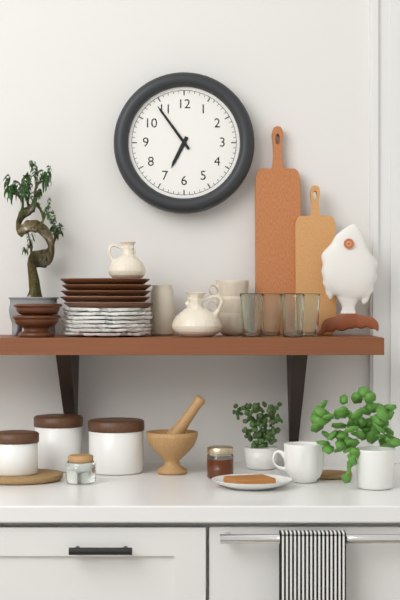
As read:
**6:54**
